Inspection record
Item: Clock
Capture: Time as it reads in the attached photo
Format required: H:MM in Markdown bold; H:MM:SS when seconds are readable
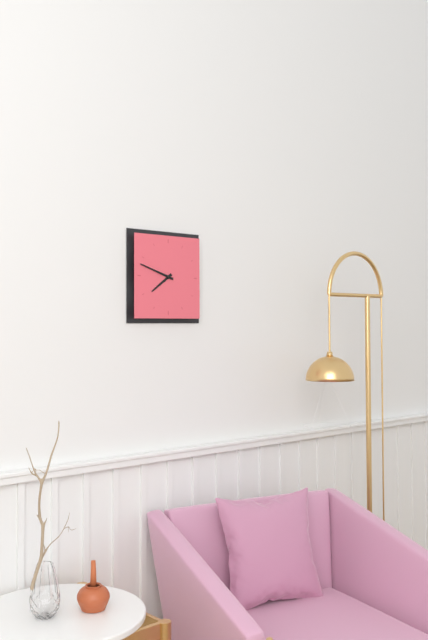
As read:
**7:48**
